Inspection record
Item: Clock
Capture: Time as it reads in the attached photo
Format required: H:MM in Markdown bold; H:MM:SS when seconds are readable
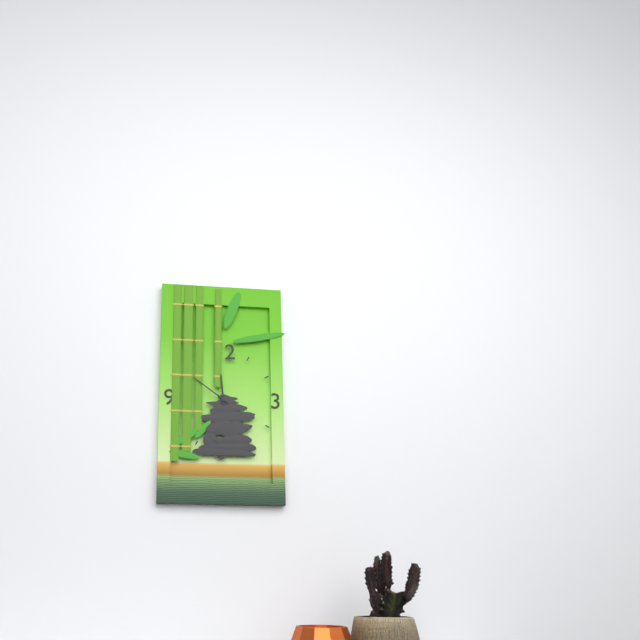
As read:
**11:51**
